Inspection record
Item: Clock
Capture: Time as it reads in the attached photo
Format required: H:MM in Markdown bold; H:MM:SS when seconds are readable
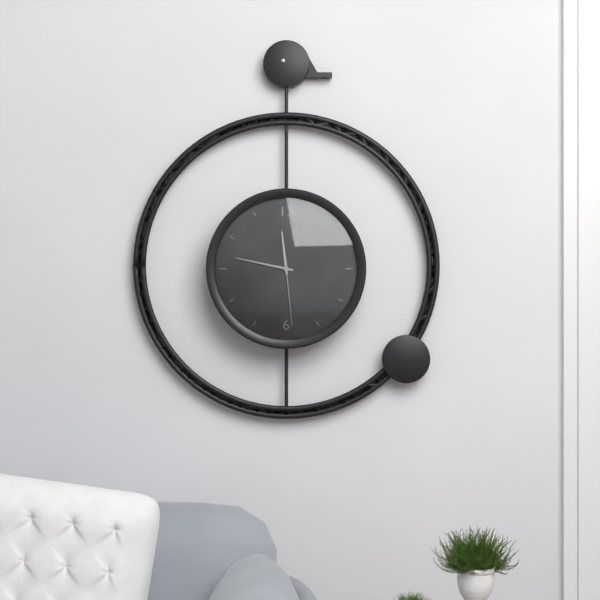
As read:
**11:47:29**
